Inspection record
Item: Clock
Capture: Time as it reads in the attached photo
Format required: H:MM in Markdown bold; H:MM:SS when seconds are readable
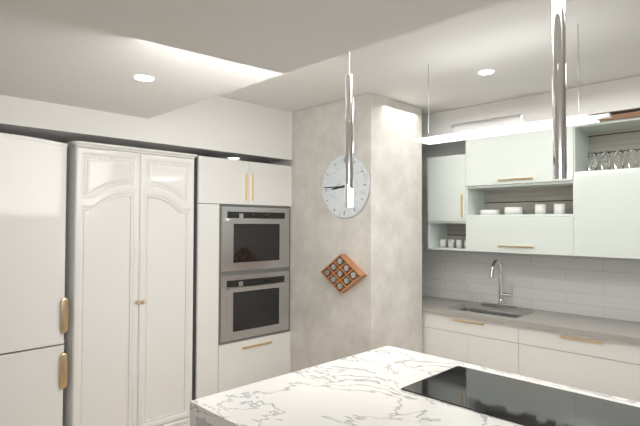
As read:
**8:45**
